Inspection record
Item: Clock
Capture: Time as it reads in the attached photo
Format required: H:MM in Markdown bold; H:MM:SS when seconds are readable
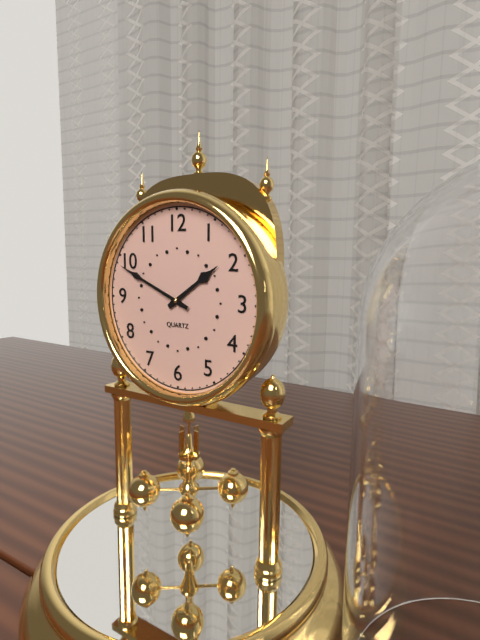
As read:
**1:49**
